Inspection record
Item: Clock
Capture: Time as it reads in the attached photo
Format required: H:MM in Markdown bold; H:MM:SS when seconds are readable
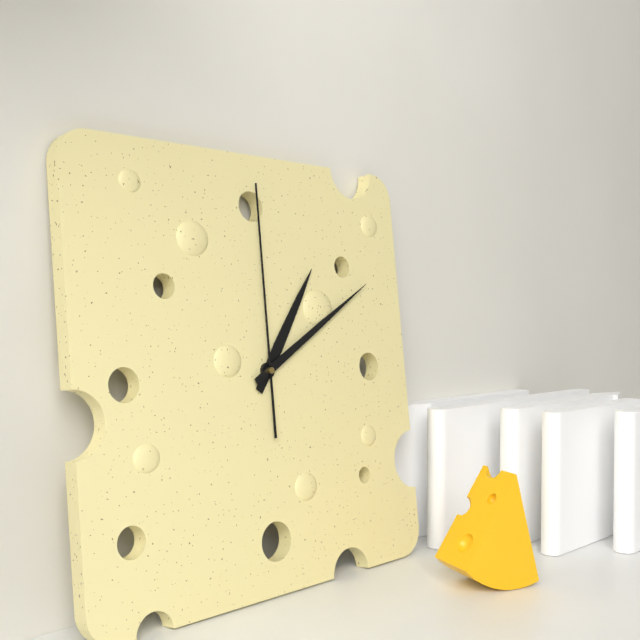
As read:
**1:10:00**
